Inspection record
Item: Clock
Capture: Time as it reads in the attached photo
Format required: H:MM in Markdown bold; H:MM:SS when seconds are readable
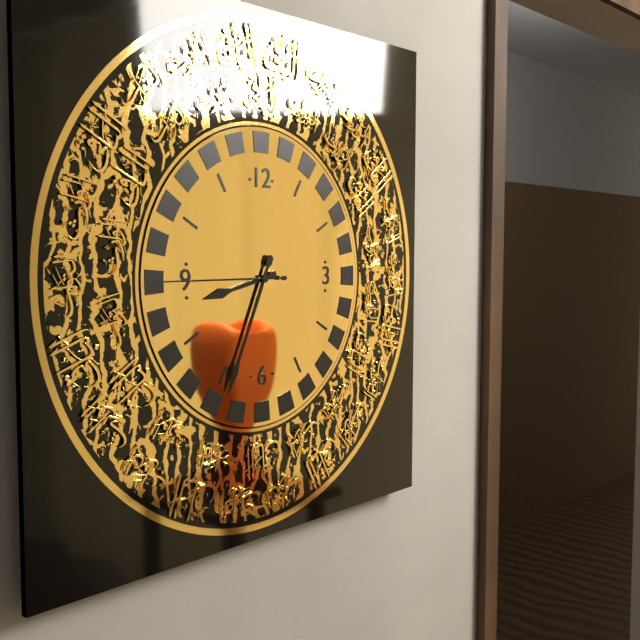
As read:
**8:34:45**
